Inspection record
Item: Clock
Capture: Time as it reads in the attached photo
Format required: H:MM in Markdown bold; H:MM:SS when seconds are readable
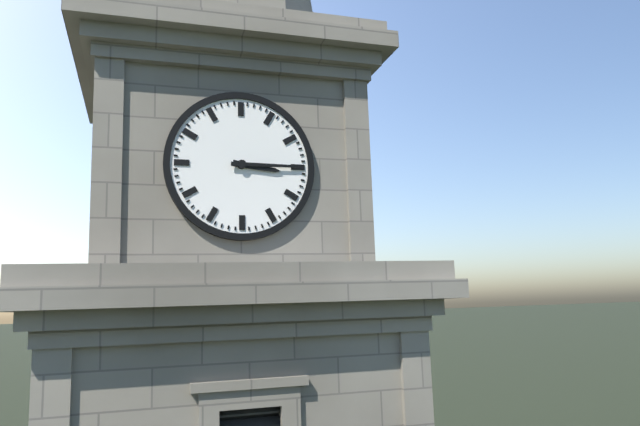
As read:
**3:15**
